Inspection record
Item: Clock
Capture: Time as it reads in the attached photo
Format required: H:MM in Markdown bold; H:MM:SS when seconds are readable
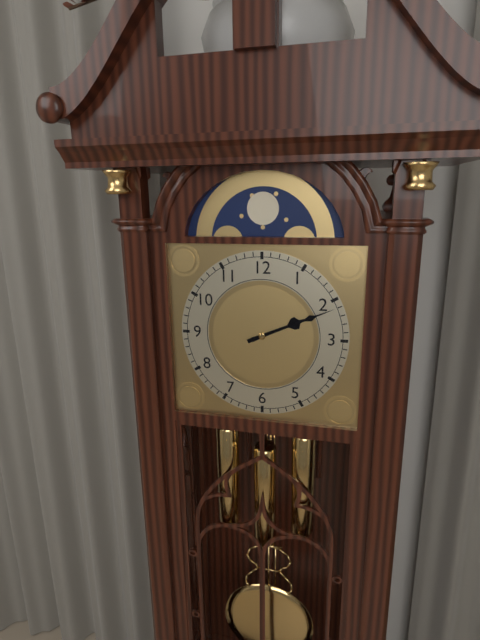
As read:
**2:11**
